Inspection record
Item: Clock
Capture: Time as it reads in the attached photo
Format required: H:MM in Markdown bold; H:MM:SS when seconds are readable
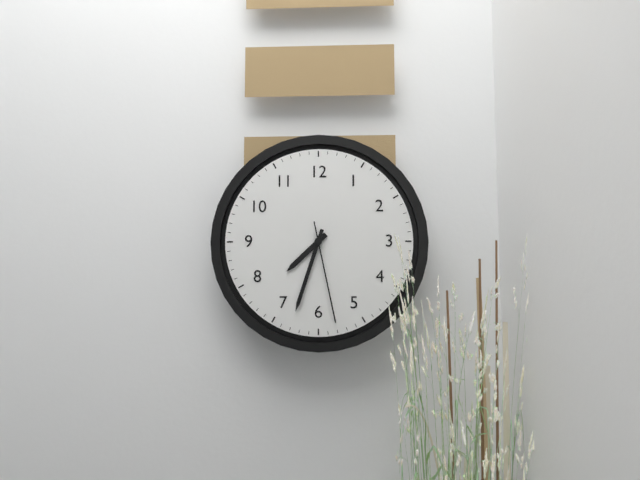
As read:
**7:33:28**
